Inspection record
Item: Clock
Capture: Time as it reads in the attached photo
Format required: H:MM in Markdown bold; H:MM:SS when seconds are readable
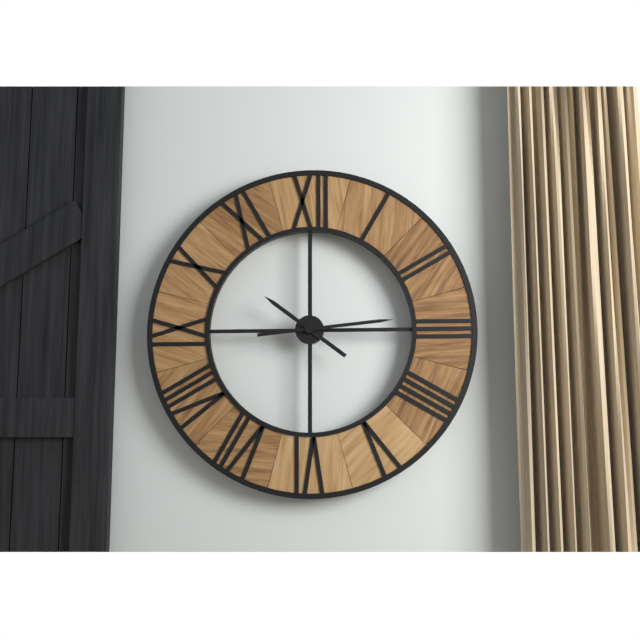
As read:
**10:14**
